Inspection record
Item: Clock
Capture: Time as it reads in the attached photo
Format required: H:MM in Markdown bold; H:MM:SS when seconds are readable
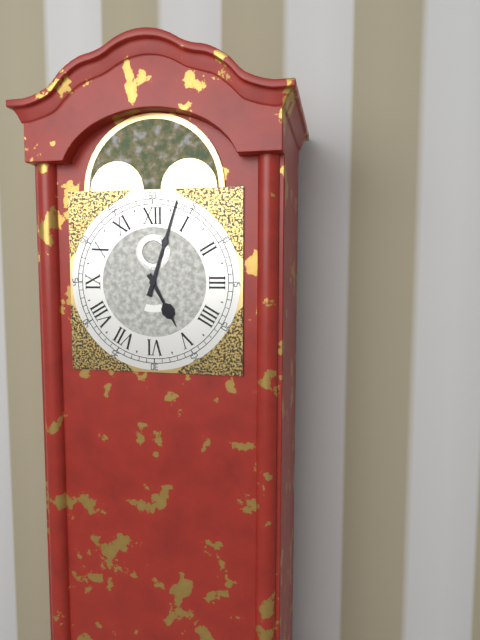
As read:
**5:03**
